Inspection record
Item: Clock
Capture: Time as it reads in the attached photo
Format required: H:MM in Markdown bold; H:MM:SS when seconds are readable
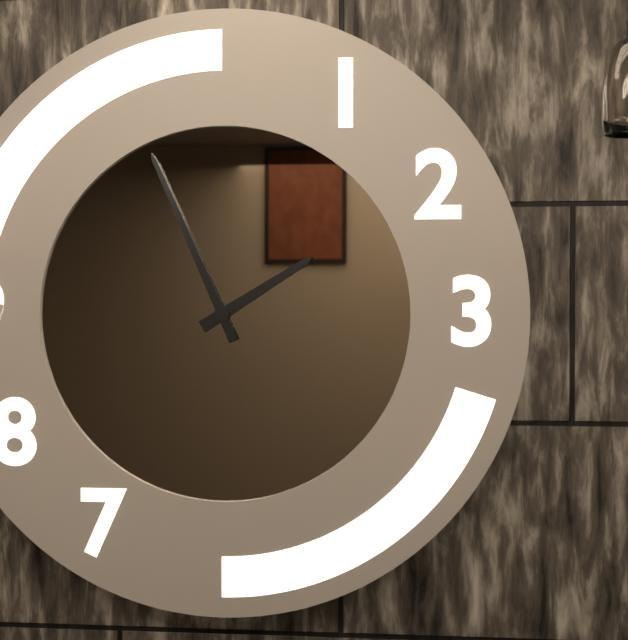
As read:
**1:56**
